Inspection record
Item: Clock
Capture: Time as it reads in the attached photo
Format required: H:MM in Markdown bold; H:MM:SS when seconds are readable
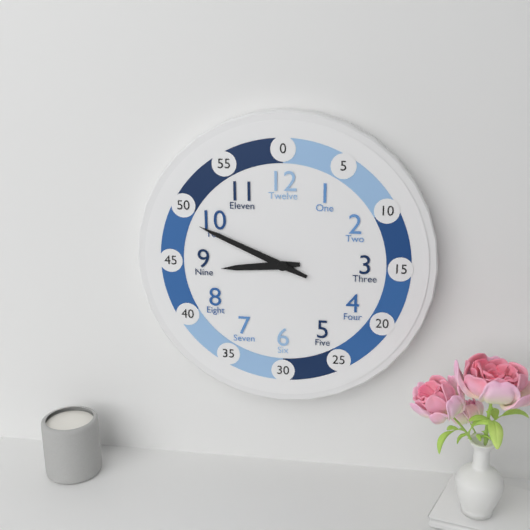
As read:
**8:49**
